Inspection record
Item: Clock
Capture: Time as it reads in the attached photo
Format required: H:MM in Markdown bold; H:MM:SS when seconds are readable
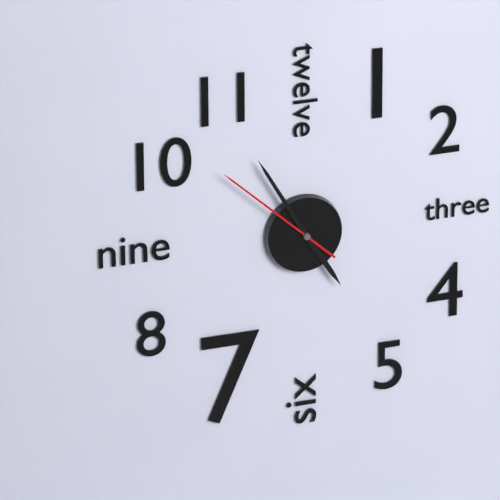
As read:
**4:55:52**
